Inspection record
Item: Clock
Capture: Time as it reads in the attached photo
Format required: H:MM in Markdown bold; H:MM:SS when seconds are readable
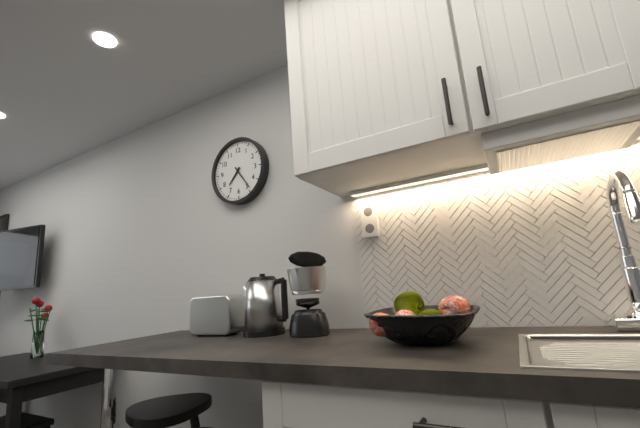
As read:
**7:24**
